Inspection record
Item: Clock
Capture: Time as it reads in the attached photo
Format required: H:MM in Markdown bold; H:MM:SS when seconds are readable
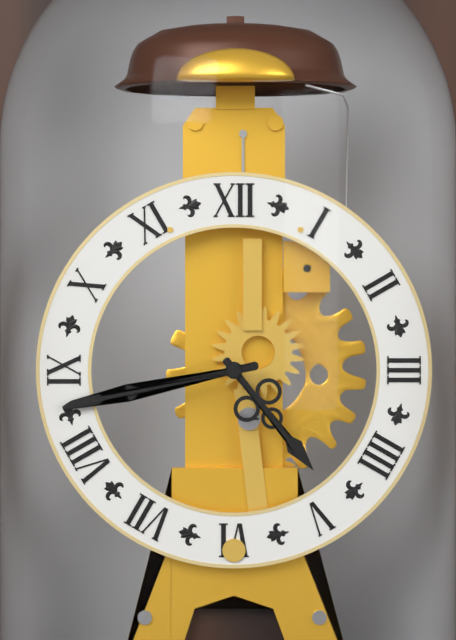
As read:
**4:43**
